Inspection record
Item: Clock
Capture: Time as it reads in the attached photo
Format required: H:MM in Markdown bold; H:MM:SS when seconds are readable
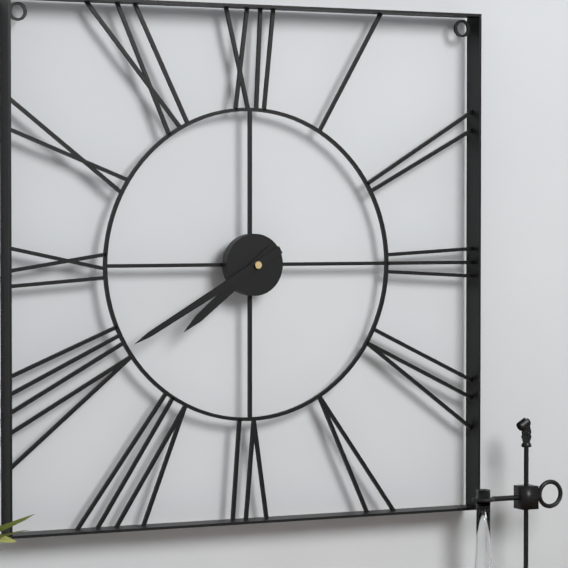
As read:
**7:40**
